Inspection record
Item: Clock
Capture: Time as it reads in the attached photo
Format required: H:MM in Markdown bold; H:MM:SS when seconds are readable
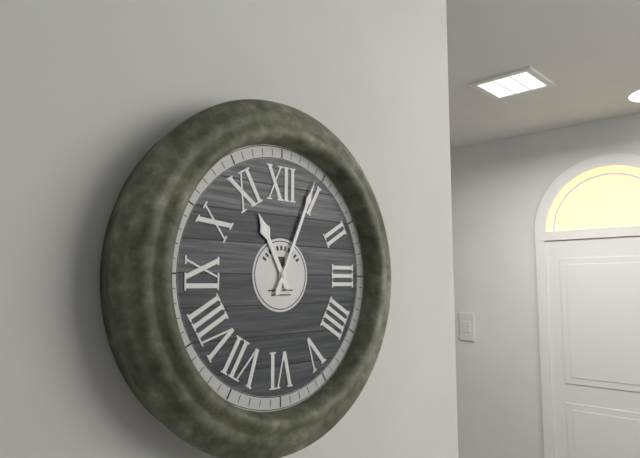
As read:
**11:04**
